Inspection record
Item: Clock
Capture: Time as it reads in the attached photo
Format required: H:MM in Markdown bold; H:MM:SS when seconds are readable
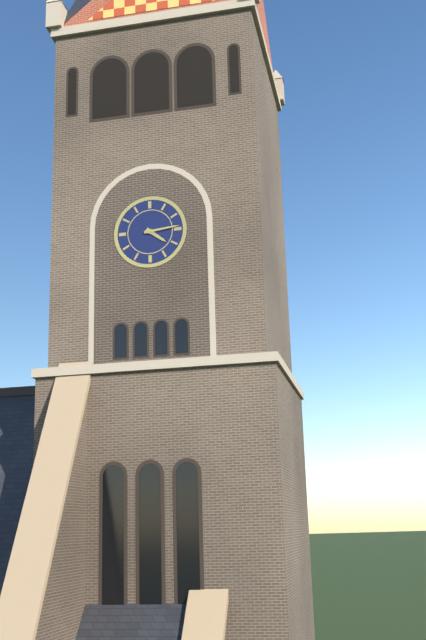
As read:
**4:14**
